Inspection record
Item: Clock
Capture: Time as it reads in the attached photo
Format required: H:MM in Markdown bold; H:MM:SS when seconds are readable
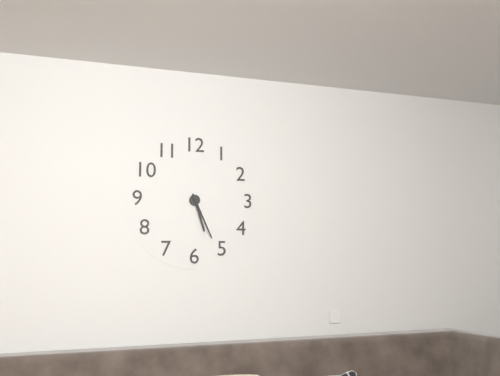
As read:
**5:26**
